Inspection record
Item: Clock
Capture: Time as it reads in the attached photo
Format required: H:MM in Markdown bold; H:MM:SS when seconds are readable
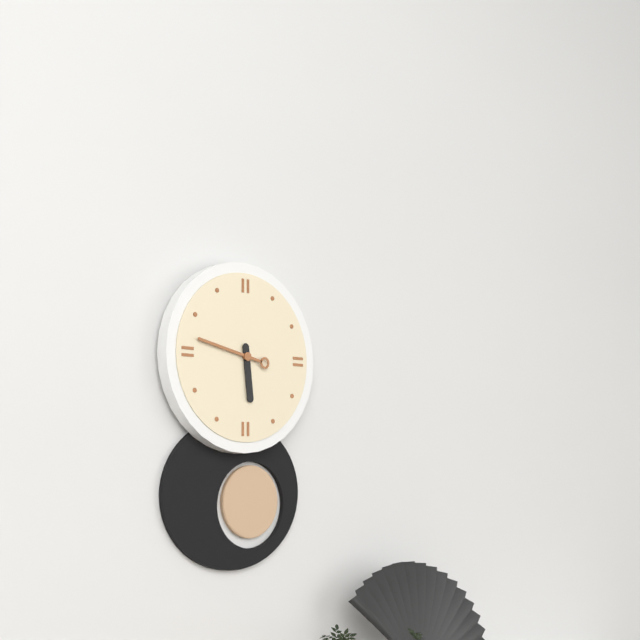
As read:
**5:47**
